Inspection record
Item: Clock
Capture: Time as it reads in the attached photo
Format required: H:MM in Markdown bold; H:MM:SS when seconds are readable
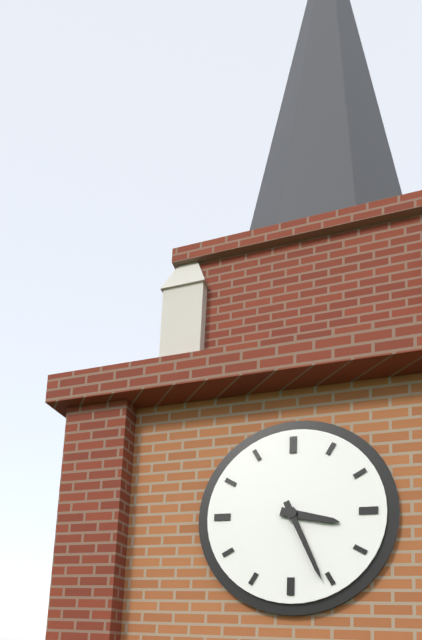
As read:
**3:26**
